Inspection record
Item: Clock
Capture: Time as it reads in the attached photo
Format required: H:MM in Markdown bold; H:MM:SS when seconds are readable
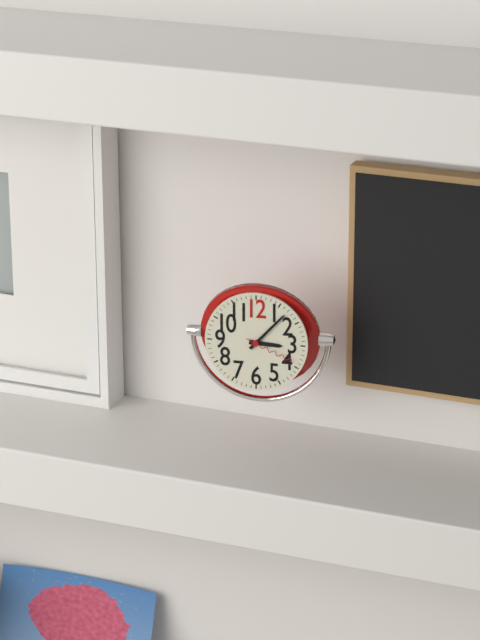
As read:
**3:07:19**
